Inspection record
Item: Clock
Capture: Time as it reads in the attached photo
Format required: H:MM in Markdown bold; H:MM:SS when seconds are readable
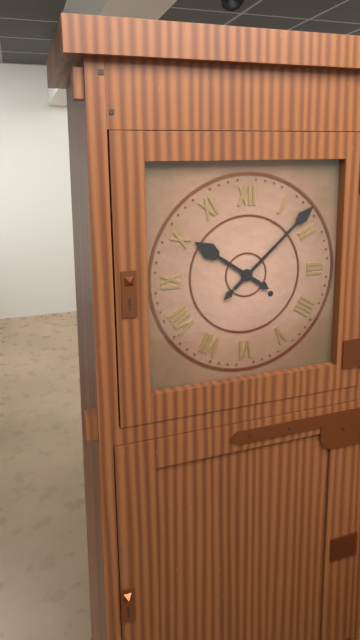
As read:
**10:08**
